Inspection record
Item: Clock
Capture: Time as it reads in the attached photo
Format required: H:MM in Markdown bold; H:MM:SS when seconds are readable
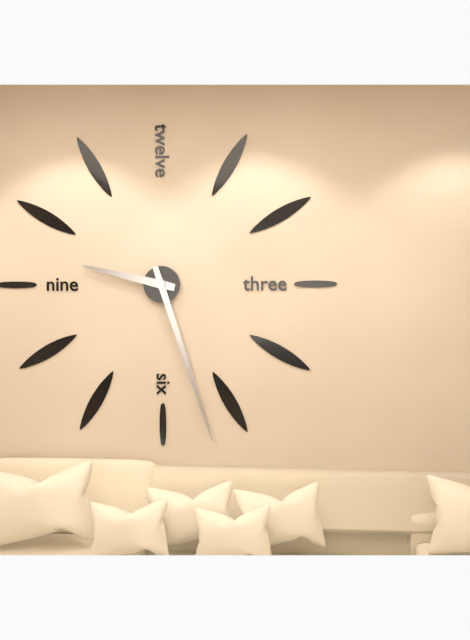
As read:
**9:27**
